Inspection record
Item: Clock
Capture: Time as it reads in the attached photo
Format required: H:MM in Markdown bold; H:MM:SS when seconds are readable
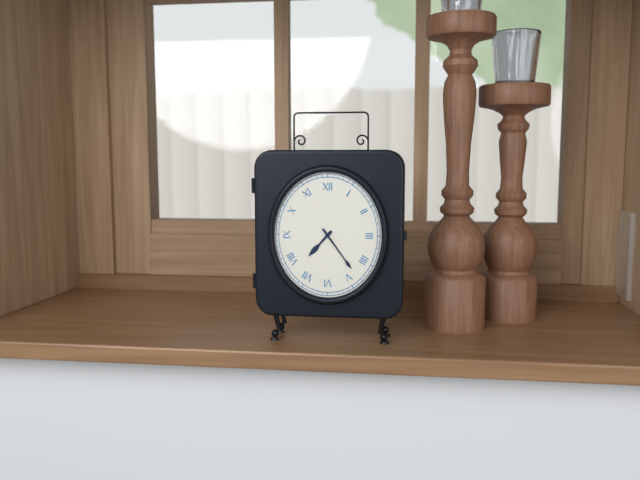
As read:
**7:24**
